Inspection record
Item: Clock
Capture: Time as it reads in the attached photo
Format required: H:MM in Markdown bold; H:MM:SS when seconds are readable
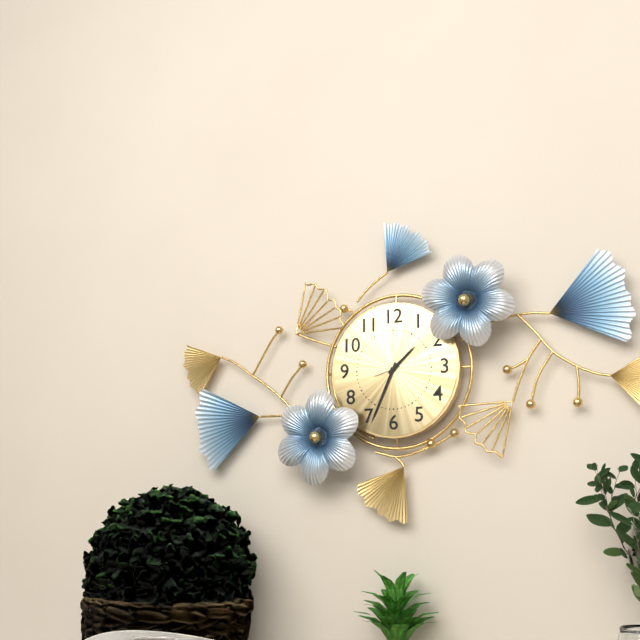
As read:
**1:34**
